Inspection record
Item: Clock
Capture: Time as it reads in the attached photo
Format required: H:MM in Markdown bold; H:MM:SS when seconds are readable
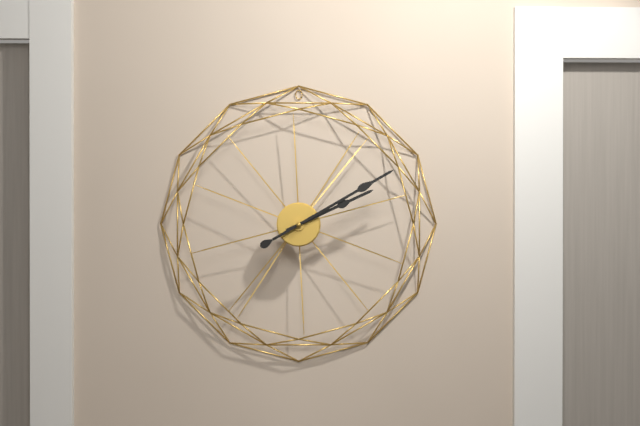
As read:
**2:10**
